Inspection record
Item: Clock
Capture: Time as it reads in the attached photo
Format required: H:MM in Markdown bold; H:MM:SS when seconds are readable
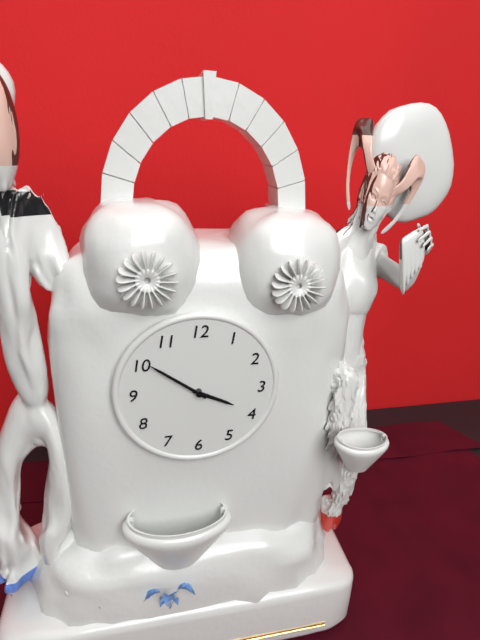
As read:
**3:51**
